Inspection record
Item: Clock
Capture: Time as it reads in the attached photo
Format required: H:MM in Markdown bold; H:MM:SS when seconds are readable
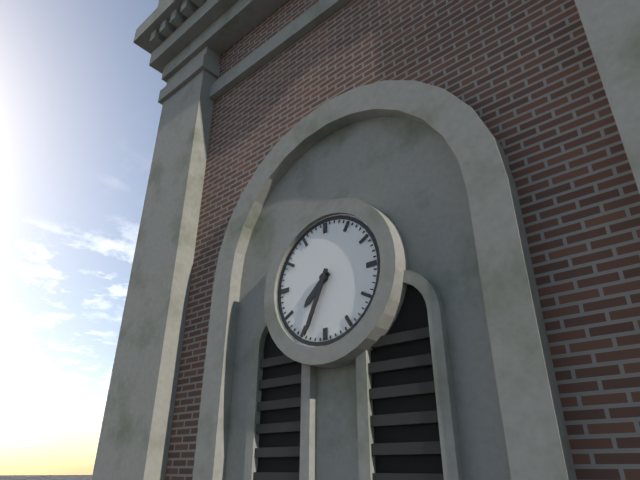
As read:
**7:34**
